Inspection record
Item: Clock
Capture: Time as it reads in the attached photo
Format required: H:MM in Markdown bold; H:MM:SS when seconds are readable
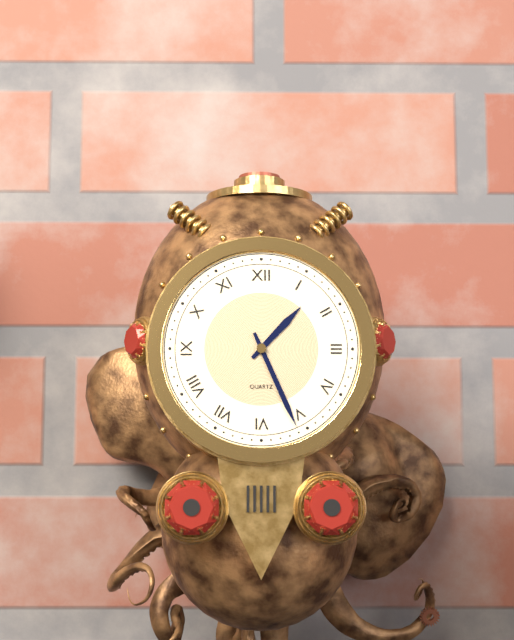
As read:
**1:26**
